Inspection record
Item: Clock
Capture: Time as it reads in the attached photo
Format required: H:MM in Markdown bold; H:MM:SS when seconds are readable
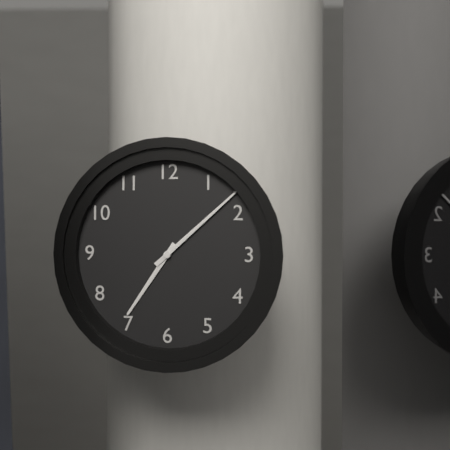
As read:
**7:08**
